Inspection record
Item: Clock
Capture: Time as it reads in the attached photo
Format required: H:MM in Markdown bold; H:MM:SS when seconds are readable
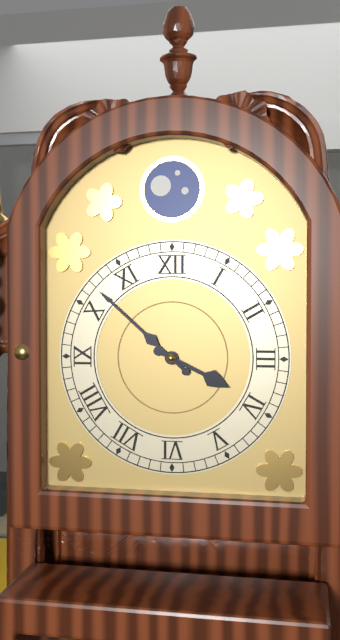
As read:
**3:52**
